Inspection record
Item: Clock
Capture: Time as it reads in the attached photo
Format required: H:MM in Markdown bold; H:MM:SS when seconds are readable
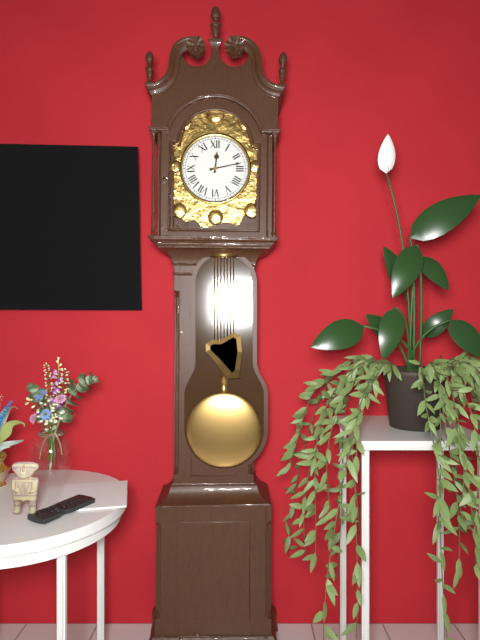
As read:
**12:13**
